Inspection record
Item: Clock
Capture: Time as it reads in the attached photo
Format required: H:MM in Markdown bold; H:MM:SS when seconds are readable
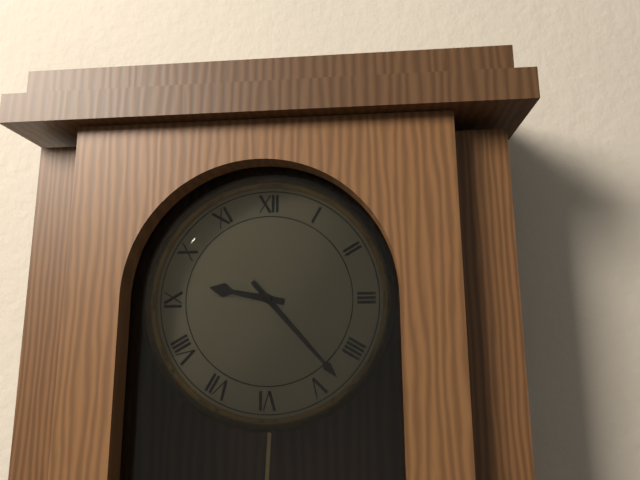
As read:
**9:23**
